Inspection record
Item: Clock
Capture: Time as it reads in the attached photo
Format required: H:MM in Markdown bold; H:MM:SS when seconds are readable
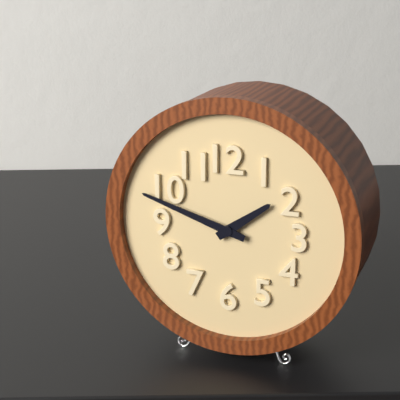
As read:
**1:48**
